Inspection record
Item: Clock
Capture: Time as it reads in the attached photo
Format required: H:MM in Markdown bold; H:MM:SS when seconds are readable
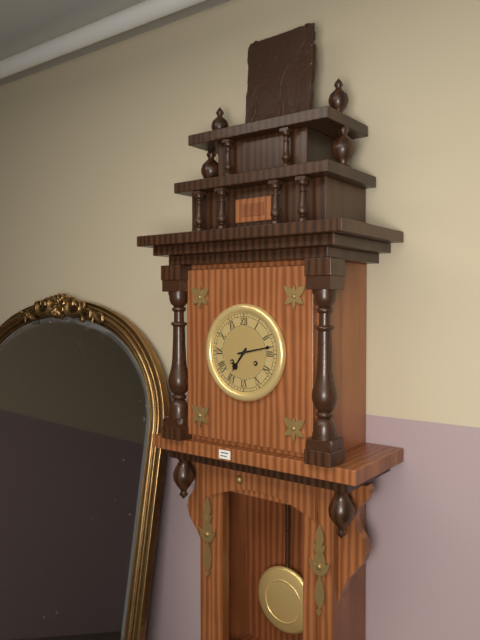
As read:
**7:13**
